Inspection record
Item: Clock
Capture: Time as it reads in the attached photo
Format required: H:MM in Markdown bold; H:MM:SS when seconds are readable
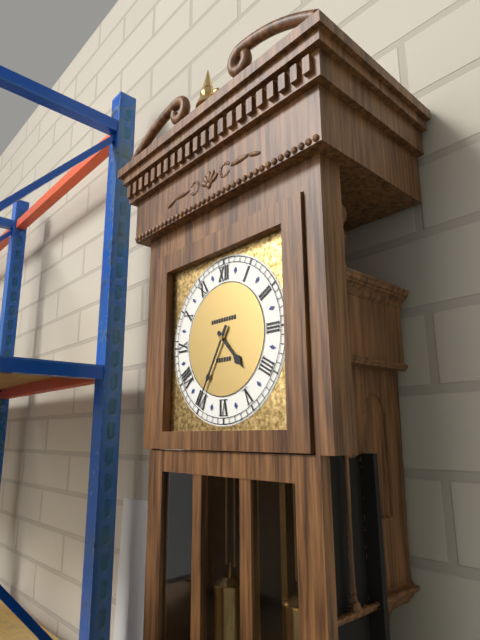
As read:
**4:35**
